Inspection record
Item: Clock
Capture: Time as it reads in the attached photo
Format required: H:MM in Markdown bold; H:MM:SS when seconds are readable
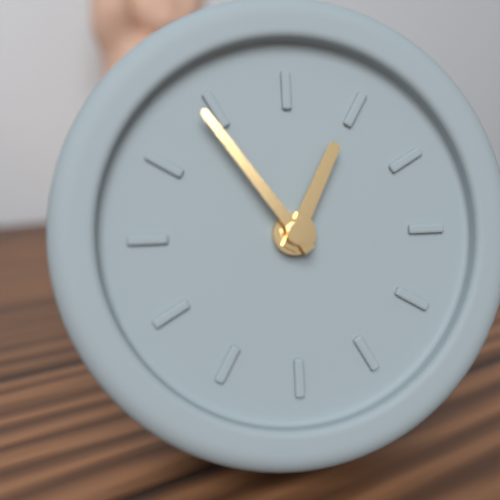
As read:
**12:54**
